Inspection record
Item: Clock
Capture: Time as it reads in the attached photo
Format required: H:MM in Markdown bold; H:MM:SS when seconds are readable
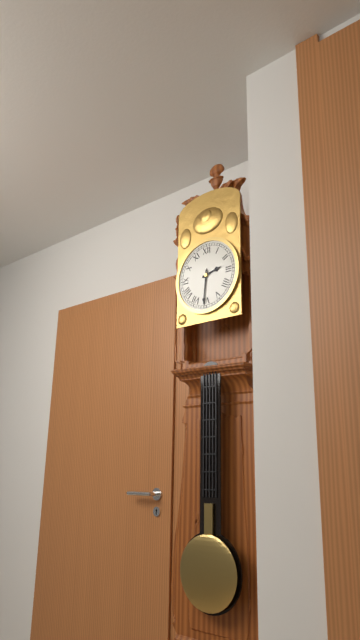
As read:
**2:31**
